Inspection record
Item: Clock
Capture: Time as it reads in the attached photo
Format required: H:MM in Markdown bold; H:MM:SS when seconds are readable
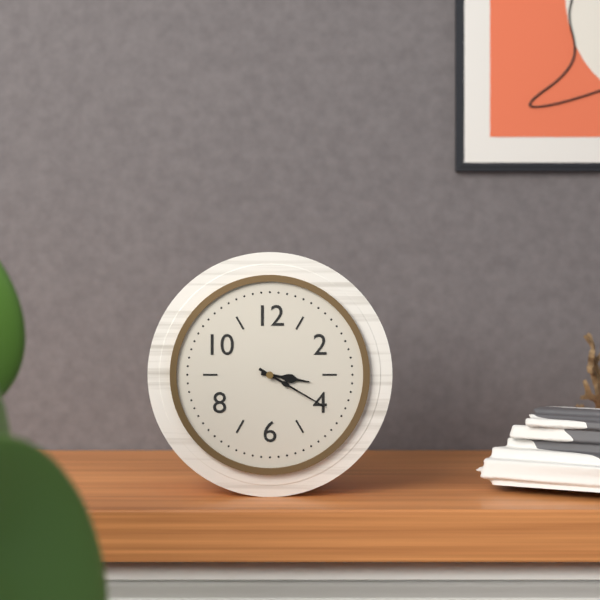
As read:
**3:20**
